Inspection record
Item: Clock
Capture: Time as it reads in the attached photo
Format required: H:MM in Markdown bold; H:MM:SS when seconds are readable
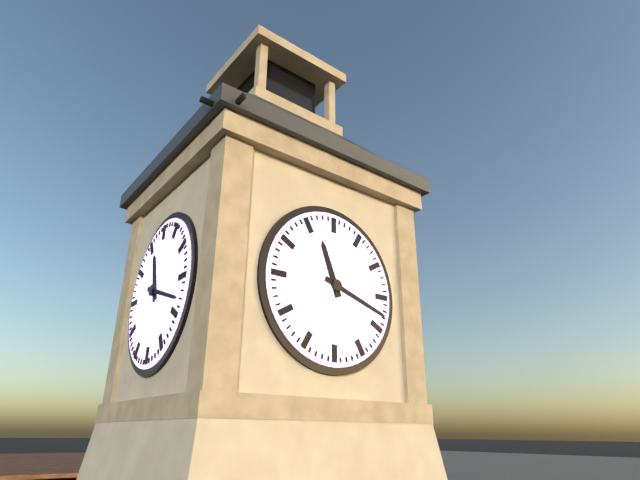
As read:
**11:18**
